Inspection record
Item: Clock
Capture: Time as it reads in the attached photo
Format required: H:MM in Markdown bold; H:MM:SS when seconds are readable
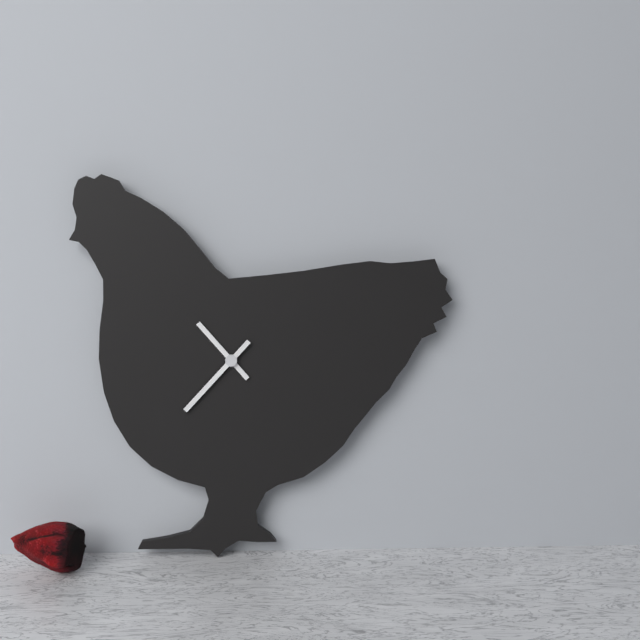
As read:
**10:37**
